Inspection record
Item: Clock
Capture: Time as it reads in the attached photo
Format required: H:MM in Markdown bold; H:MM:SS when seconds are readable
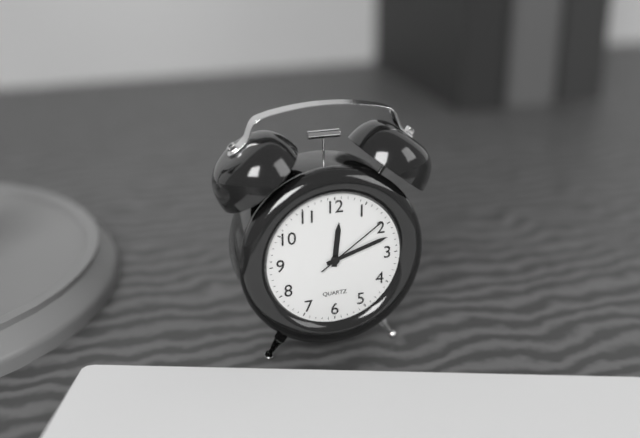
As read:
**12:12:09**
